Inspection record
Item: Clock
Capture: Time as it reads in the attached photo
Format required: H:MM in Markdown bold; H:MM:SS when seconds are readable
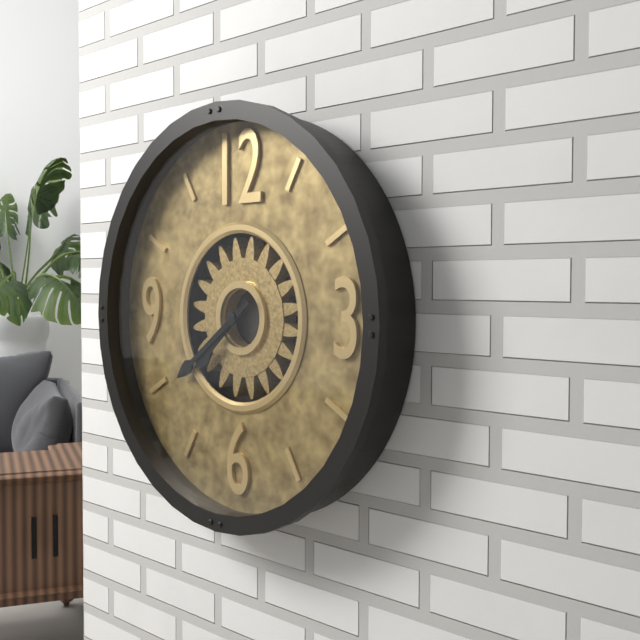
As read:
**7:39**
